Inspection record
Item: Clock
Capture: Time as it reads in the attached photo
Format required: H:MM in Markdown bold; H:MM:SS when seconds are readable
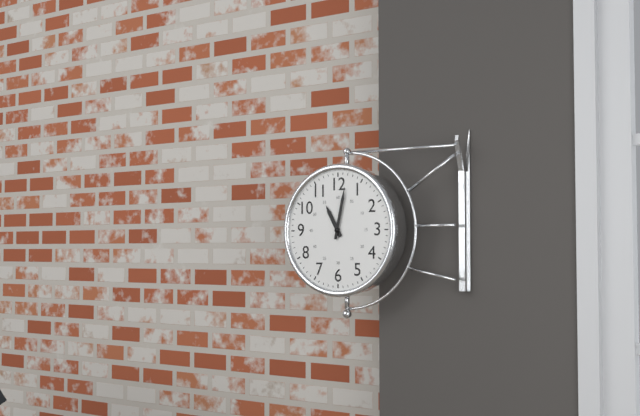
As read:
**11:02**
